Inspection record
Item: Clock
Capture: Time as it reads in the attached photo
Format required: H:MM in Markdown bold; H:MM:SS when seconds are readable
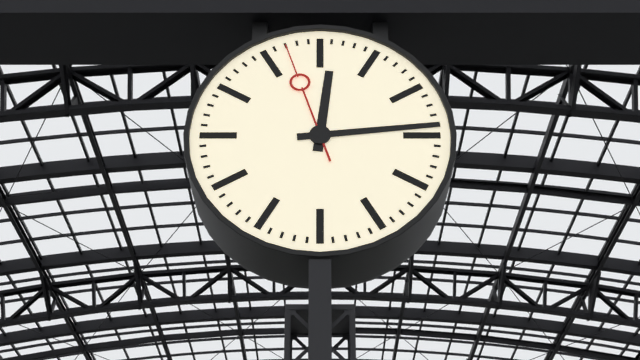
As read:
**12:14:57**
